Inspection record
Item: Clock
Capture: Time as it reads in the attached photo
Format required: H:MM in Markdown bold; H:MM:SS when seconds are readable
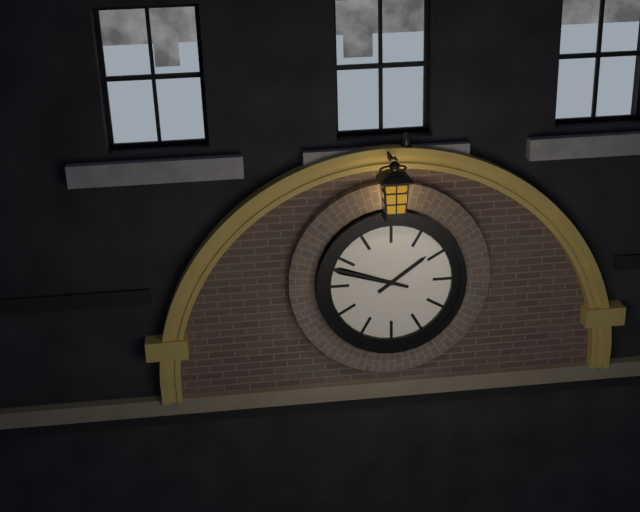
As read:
**1:48**
